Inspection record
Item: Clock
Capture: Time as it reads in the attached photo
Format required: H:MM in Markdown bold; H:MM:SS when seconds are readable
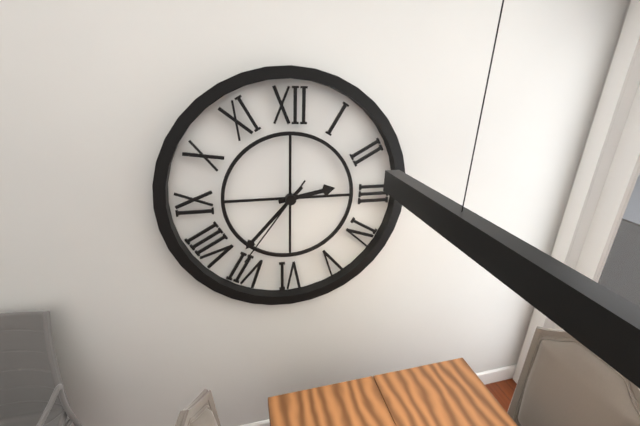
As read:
**2:37:36**
